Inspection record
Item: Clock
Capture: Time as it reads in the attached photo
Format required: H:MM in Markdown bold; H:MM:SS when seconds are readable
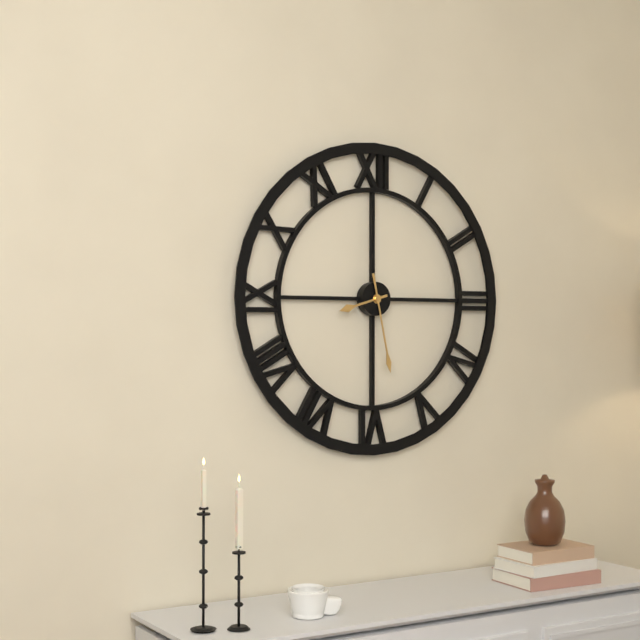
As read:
**8:28**
